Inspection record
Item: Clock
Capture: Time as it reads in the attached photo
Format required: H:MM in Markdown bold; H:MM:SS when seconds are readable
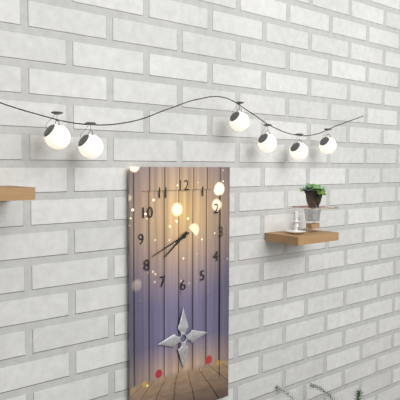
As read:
**7:41**
